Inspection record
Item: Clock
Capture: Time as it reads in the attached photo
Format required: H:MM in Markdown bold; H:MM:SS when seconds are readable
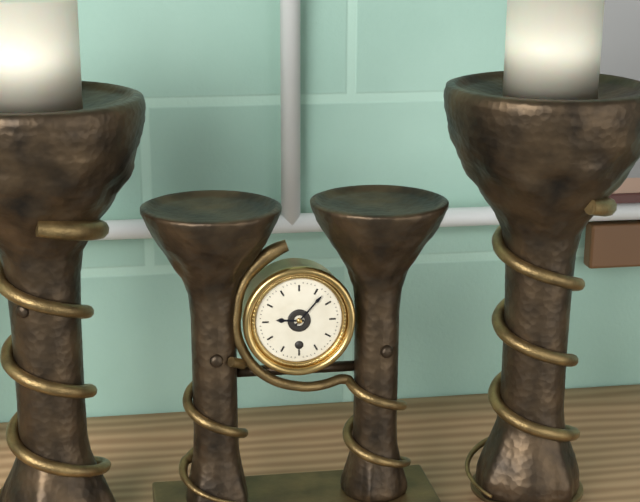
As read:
**9:07**
